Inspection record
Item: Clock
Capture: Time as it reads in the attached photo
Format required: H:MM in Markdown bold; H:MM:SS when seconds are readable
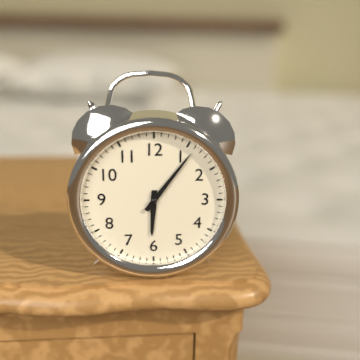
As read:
**6:06**
